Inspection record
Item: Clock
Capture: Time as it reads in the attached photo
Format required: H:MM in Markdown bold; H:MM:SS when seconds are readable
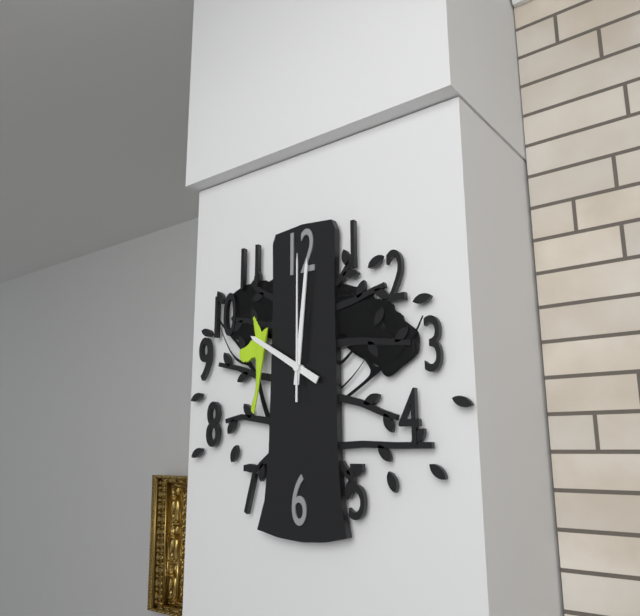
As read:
**10:01:00**
